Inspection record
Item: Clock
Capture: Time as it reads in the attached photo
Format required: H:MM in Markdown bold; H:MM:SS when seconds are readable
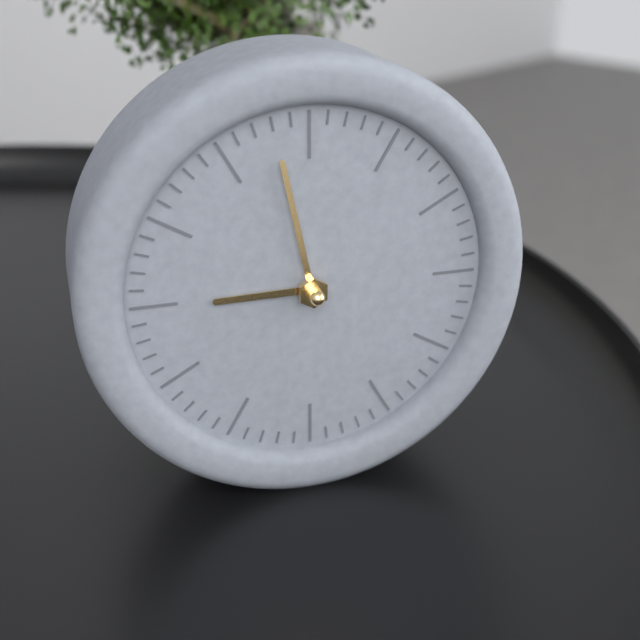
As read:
**8:58**
